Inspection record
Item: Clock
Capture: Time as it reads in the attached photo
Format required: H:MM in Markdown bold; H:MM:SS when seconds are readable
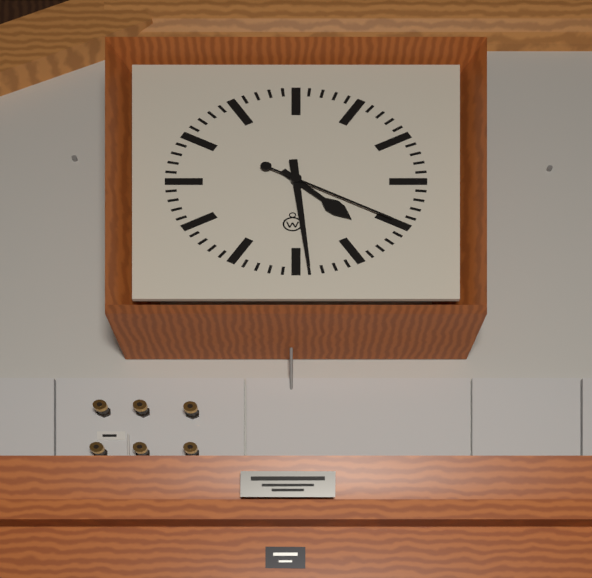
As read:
**4:29:20**
